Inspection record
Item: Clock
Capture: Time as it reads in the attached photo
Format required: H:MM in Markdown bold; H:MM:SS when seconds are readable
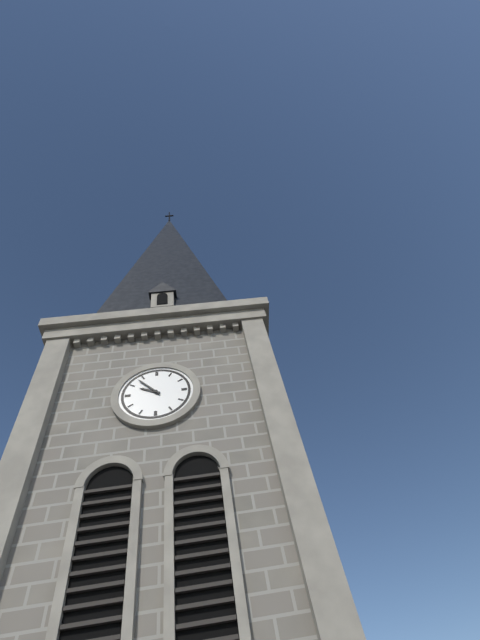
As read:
**9:53**
